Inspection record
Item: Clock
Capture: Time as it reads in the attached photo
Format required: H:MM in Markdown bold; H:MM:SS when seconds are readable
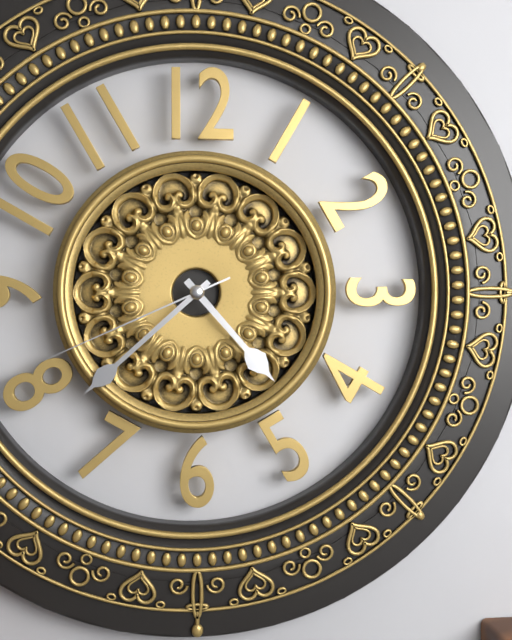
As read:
**4:38:41**
